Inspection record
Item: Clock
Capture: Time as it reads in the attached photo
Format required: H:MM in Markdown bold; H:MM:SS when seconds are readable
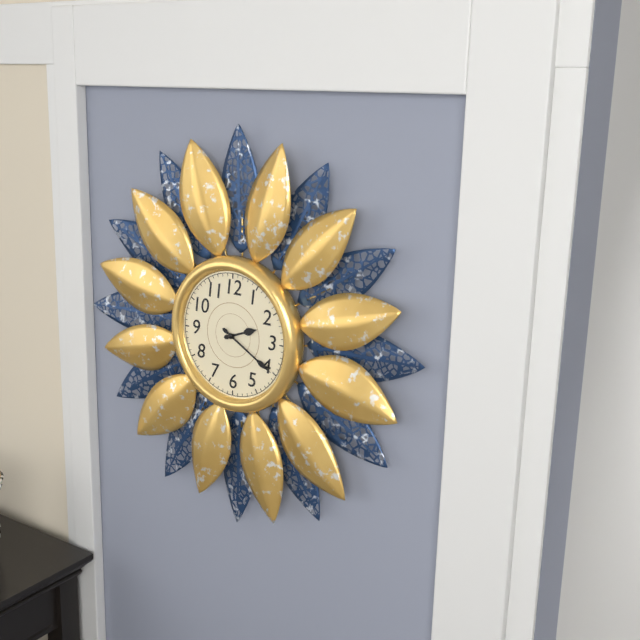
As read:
**2:20**
